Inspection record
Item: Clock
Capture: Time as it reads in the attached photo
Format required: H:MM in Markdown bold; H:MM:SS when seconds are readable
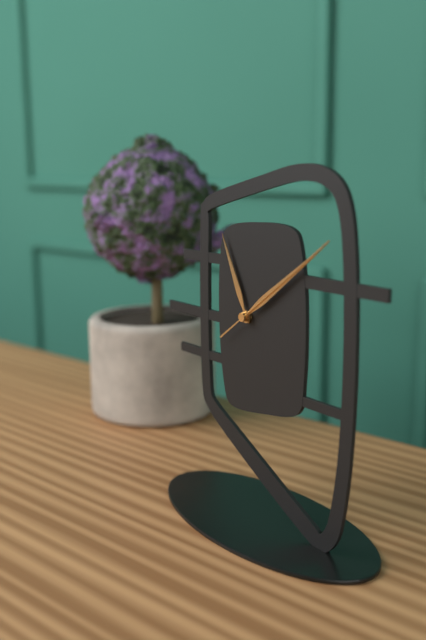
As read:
**11:09:09**
